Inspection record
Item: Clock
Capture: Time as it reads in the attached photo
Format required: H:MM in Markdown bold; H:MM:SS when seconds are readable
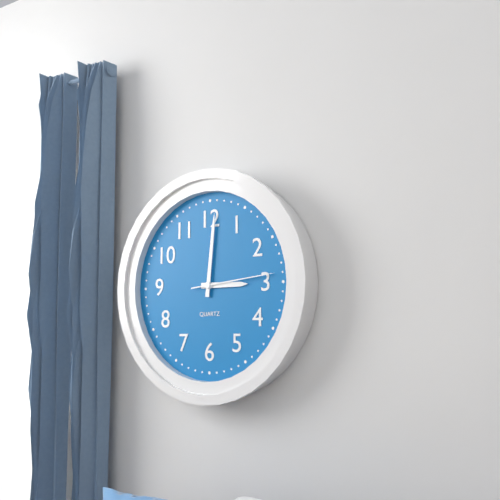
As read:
**3:01:14**
